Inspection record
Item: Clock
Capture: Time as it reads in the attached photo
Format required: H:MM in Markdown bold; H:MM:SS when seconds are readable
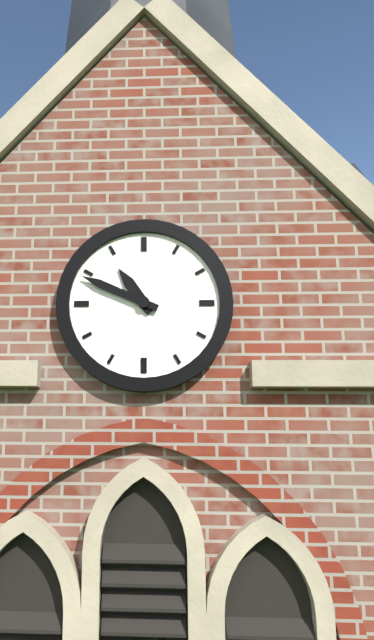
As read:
**10:49**
